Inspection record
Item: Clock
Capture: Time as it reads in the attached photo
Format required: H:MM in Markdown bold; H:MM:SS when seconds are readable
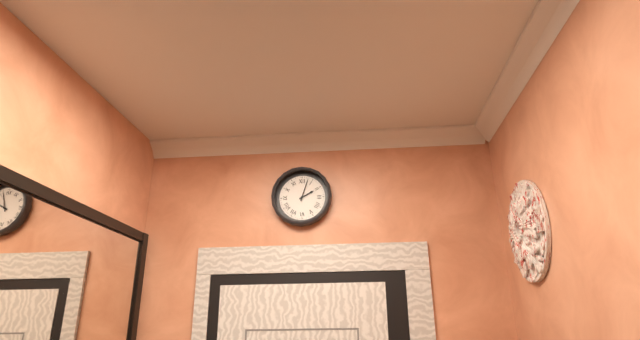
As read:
**2:03**
